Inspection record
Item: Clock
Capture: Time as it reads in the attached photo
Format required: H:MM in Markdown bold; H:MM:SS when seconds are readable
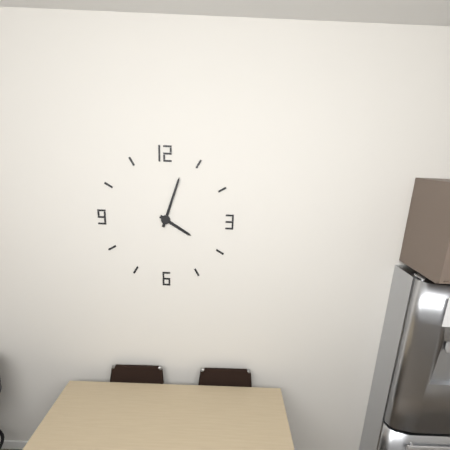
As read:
**4:03**
